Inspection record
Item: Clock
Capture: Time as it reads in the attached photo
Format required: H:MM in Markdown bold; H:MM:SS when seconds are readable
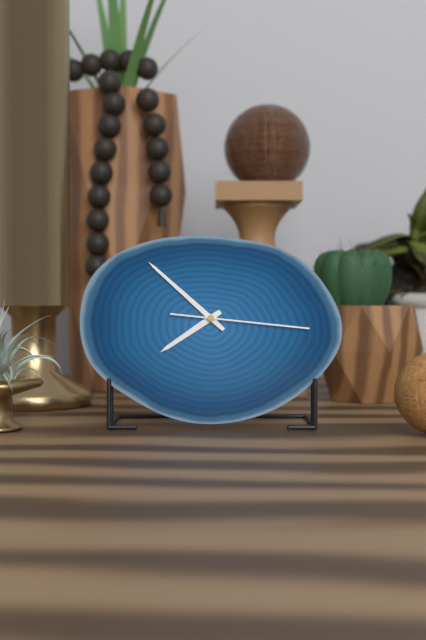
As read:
**7:52:16**
